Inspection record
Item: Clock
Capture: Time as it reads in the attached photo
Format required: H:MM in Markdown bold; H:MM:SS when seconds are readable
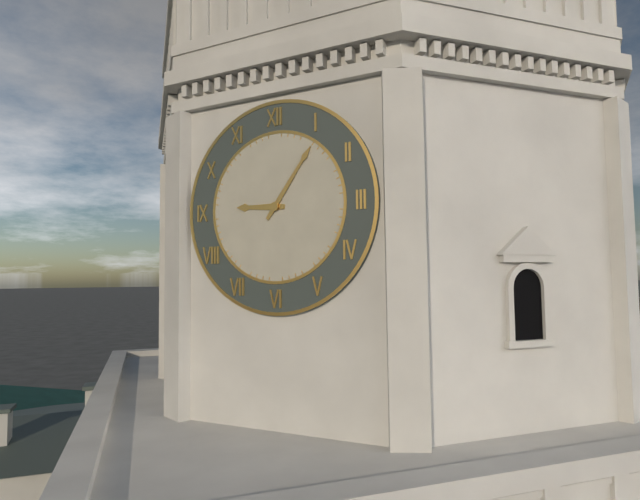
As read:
**9:06**
